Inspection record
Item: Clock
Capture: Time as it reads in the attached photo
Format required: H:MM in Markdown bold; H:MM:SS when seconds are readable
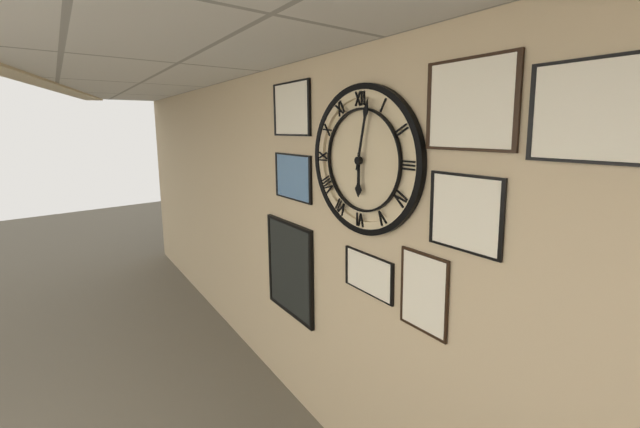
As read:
**6:02**
